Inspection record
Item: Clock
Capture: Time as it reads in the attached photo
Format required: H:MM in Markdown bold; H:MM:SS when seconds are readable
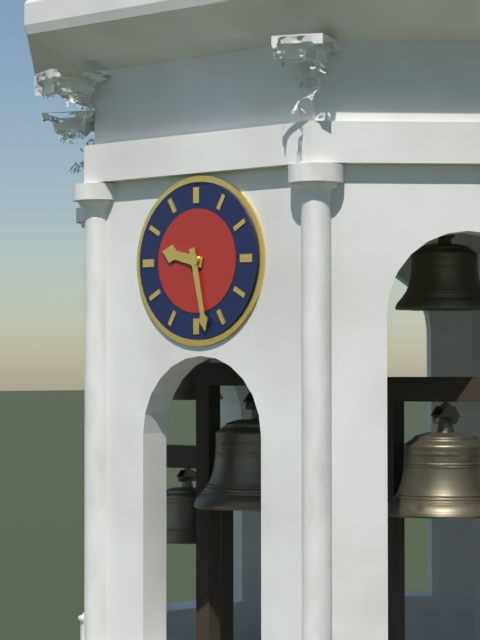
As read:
**9:28**
